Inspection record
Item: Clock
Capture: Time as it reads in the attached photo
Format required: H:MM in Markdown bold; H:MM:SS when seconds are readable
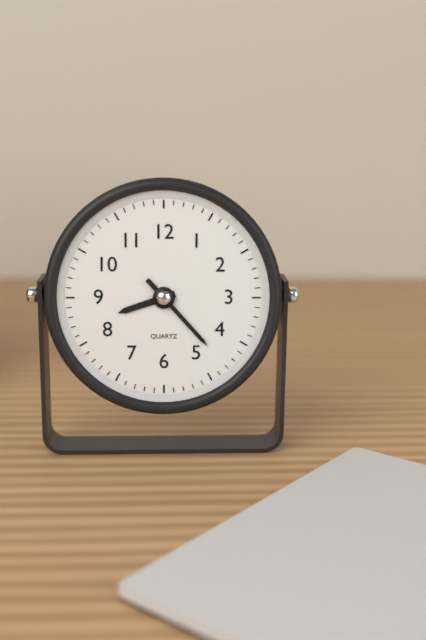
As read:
**8:23**
